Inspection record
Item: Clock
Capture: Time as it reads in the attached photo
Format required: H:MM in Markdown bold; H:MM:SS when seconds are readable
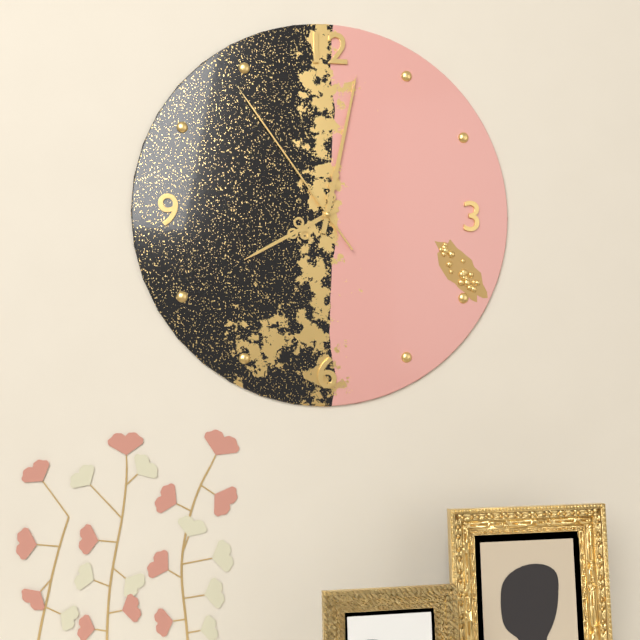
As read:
**8:02:54**
